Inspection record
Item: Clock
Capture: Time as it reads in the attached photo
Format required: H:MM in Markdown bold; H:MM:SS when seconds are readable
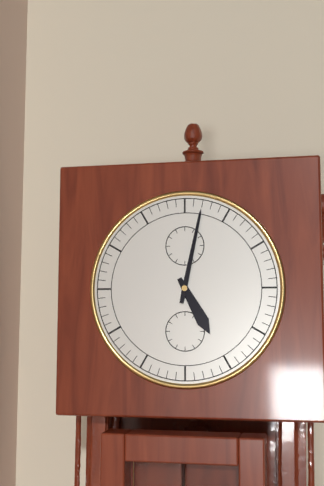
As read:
**5:02**
